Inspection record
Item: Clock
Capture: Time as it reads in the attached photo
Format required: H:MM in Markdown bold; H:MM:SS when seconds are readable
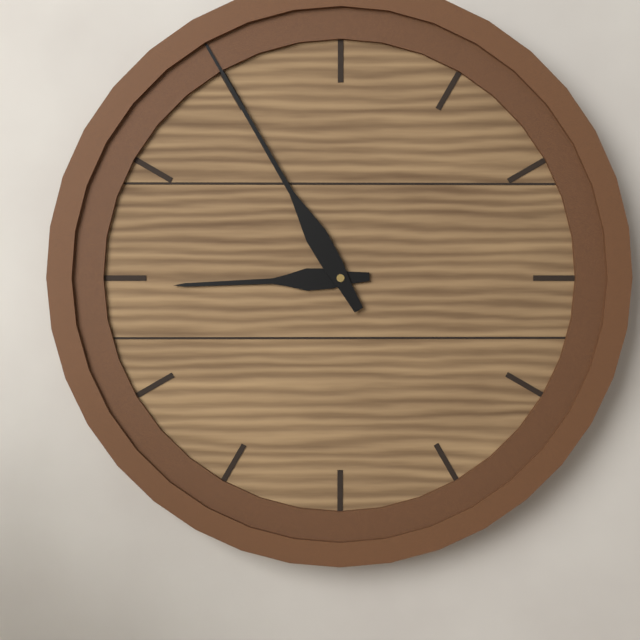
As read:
**8:55**
